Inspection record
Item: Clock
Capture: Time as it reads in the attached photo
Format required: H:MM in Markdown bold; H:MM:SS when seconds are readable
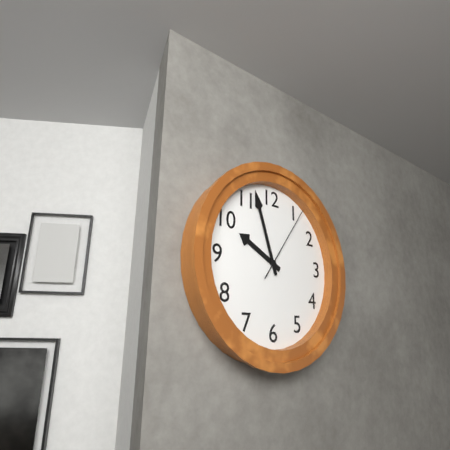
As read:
**9:57:06**
